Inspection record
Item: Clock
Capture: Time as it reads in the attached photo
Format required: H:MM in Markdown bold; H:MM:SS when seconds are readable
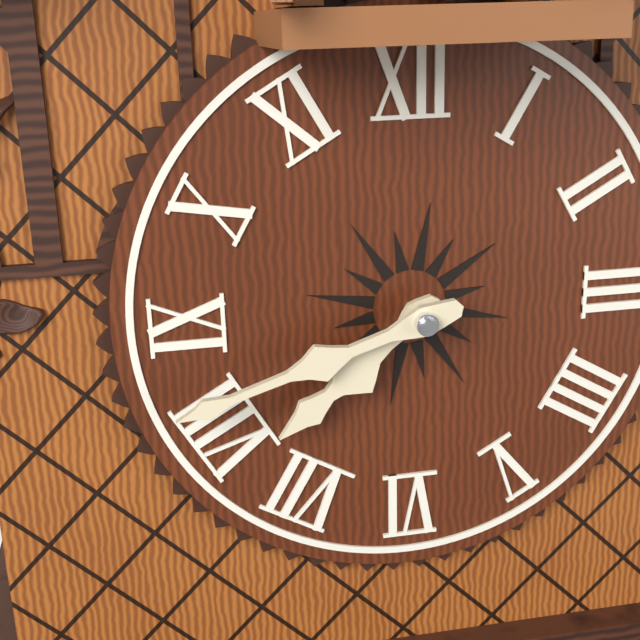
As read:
**7:42**
